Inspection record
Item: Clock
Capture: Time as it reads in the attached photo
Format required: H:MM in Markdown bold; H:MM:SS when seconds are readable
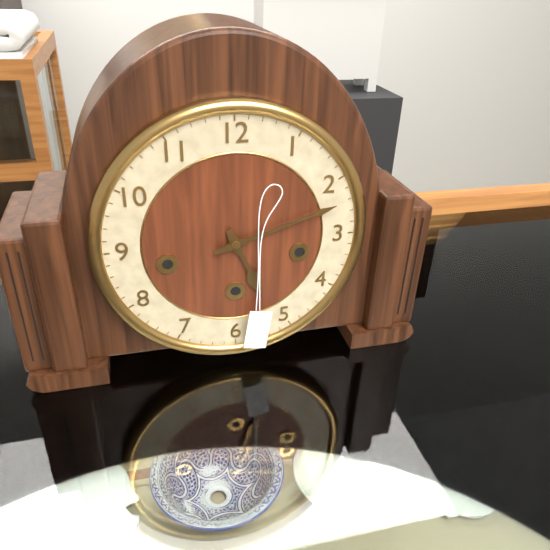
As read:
**5:12**
